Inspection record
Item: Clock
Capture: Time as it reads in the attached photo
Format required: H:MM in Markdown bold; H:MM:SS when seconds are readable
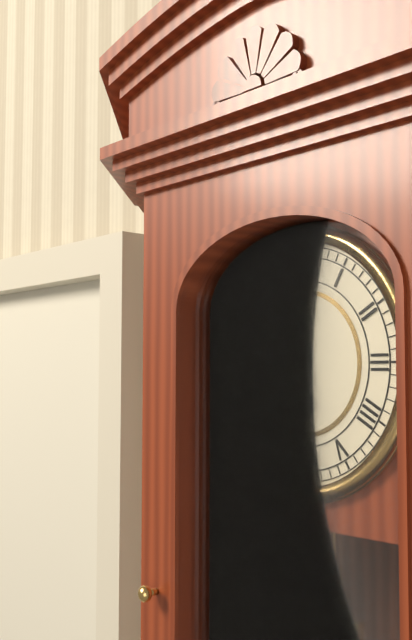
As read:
**5:57**
